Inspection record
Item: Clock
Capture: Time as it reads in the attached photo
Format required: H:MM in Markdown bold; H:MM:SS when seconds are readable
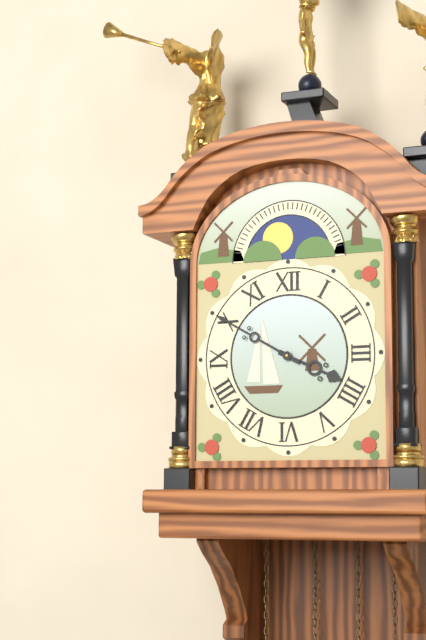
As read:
**3:50**
